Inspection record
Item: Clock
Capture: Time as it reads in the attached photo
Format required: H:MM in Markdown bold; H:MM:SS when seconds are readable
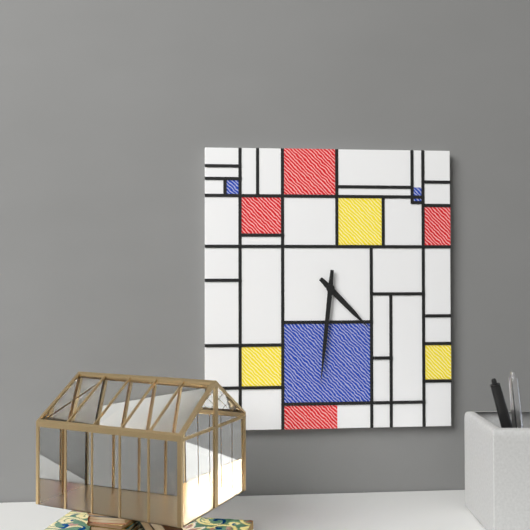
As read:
**4:31**
